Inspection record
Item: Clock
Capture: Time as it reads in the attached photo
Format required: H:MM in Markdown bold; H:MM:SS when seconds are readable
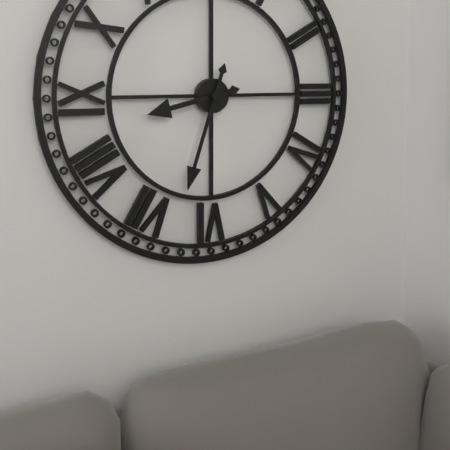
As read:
**8:33**
